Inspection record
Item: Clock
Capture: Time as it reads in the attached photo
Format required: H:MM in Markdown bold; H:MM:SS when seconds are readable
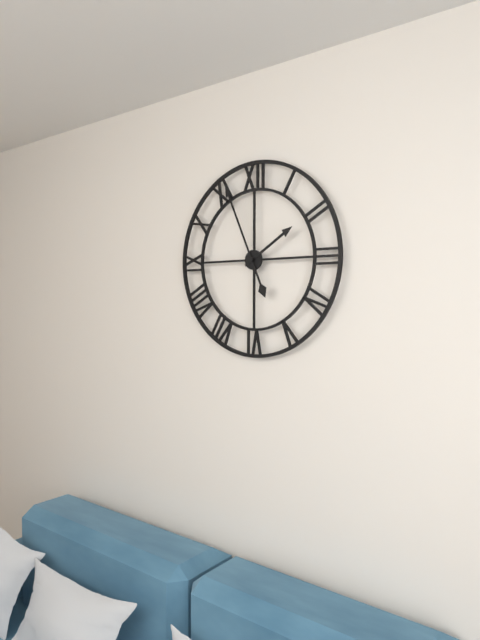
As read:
**1:56**
